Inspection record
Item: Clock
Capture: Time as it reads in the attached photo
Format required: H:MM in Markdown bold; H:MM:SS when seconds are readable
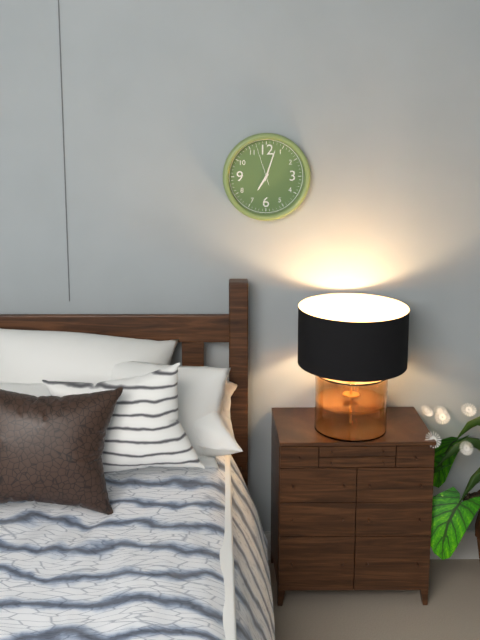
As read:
**7:03**
